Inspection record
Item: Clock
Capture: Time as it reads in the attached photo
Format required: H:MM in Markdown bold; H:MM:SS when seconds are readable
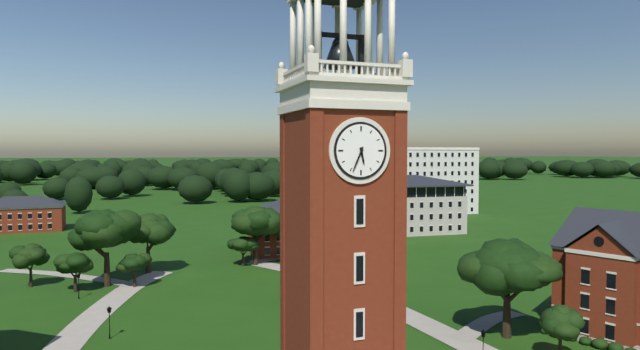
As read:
**5:34**
